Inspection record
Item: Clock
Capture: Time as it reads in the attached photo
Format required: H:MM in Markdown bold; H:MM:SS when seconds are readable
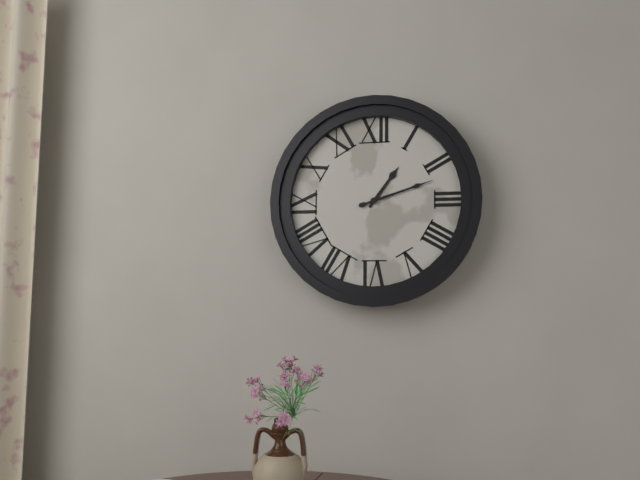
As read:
**1:12**
